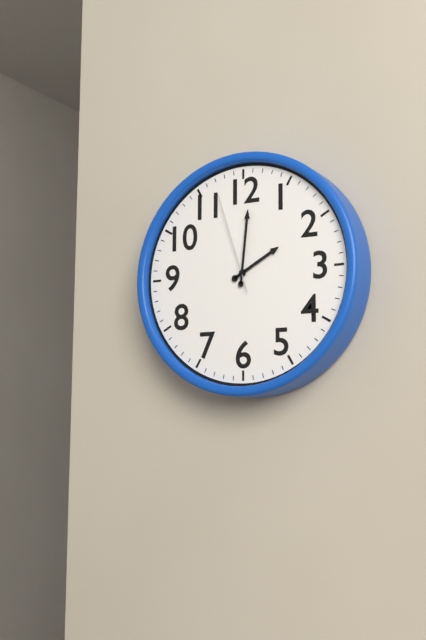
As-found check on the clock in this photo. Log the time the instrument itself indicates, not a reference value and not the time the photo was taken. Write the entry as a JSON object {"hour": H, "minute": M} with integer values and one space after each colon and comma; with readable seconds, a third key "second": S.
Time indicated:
{"hour": 2, "minute": 1, "second": 57}
